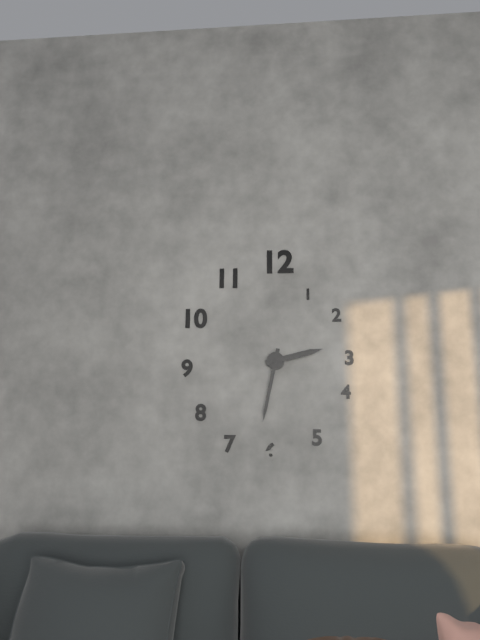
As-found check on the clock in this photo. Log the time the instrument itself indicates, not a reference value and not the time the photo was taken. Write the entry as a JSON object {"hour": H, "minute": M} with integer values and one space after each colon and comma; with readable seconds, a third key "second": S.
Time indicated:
{"hour": 2, "minute": 32}
